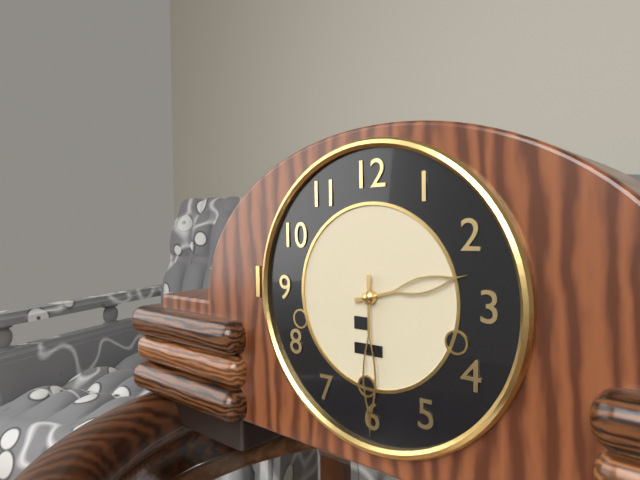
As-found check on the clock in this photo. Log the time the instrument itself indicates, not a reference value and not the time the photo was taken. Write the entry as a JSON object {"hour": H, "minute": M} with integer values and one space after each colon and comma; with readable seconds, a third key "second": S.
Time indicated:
{"hour": 2, "minute": 30}
